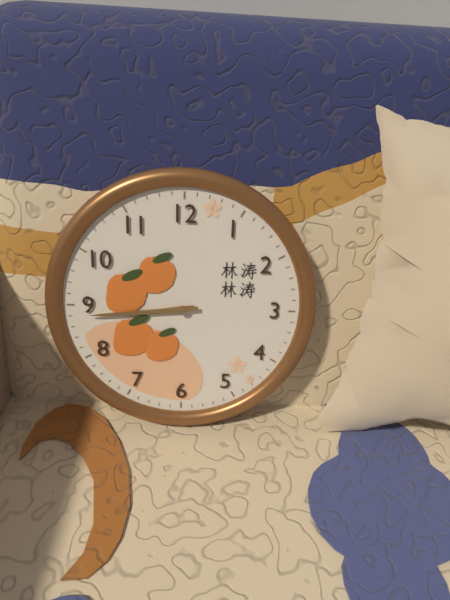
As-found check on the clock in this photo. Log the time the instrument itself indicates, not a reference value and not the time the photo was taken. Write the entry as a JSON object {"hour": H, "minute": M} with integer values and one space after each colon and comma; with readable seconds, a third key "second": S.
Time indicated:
{"hour": 8, "minute": 44}
